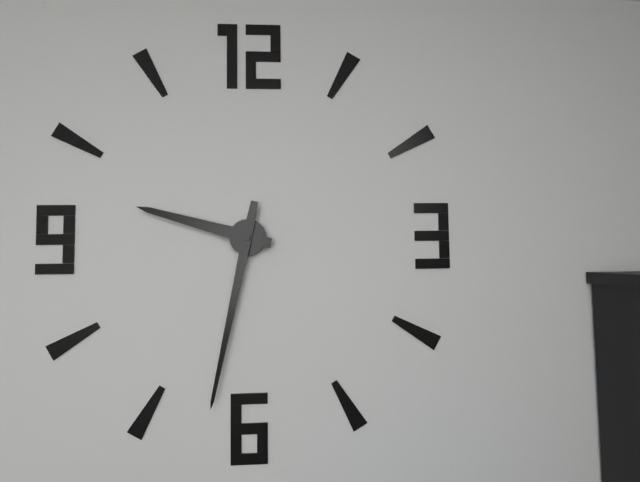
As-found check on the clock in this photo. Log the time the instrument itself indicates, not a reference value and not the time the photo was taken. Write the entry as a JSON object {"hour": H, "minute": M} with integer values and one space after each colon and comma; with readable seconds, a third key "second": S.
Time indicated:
{"hour": 9, "minute": 32}
